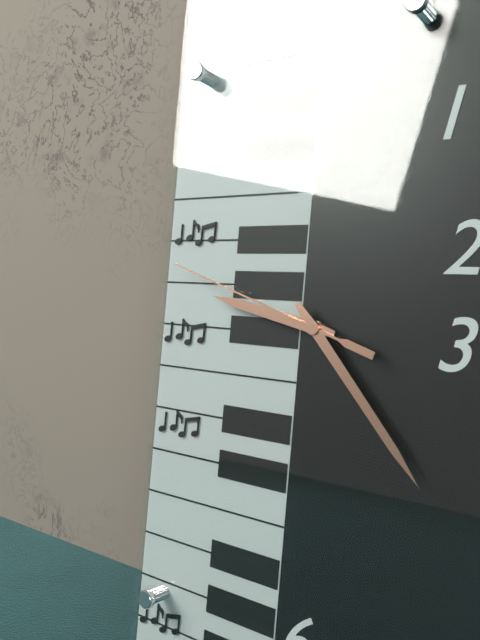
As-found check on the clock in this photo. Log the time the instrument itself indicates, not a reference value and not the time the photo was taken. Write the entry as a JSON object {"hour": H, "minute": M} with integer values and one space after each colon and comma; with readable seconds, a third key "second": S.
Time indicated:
{"hour": 9, "minute": 23, "second": 48}
